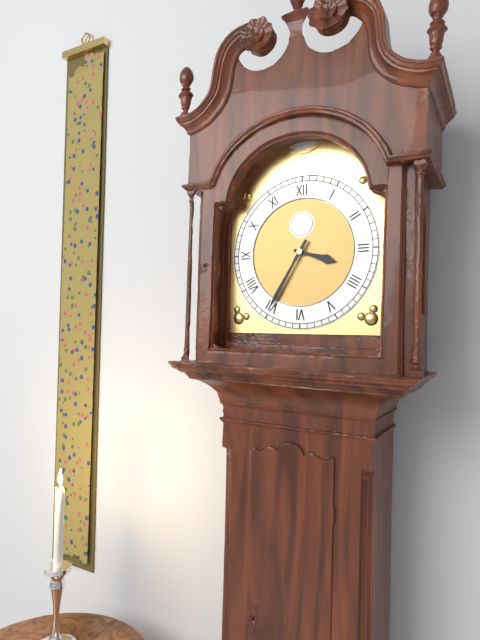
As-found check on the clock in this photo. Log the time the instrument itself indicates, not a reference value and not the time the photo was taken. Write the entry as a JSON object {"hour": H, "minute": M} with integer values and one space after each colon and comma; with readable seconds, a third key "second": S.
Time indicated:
{"hour": 3, "minute": 35}
